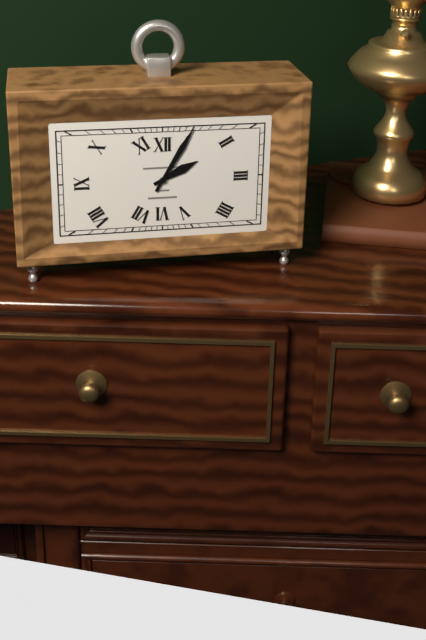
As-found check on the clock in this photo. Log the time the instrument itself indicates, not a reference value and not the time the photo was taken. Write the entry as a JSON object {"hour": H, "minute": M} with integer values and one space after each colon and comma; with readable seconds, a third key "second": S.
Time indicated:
{"hour": 2, "minute": 5}
